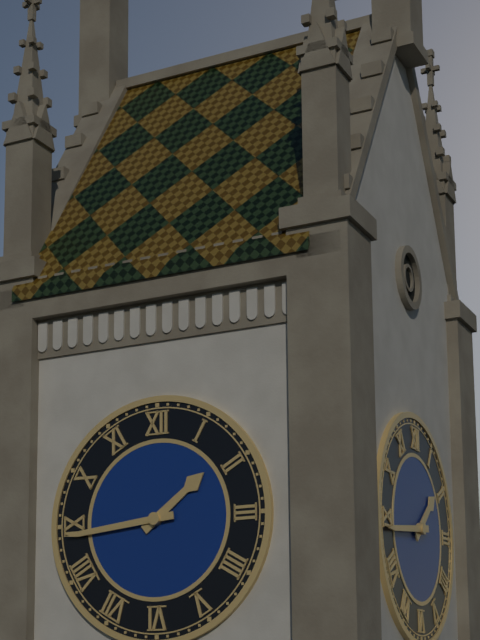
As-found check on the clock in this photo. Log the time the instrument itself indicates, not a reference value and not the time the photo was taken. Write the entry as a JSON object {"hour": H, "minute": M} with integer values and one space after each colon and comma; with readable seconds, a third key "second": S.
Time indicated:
{"hour": 1, "minute": 44}
